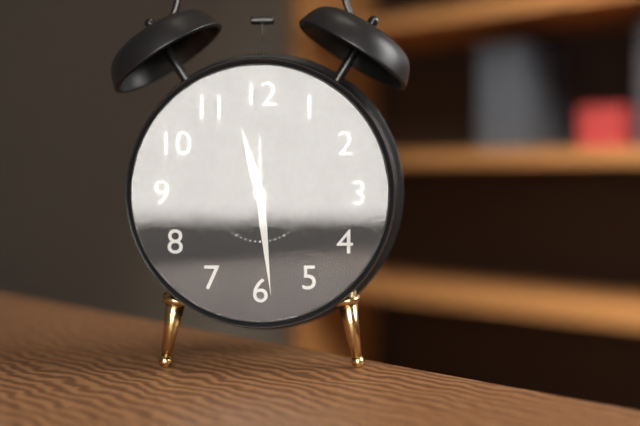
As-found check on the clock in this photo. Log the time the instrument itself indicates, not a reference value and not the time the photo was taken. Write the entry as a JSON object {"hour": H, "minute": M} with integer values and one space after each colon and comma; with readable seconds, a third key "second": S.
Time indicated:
{"hour": 11, "minute": 29}
